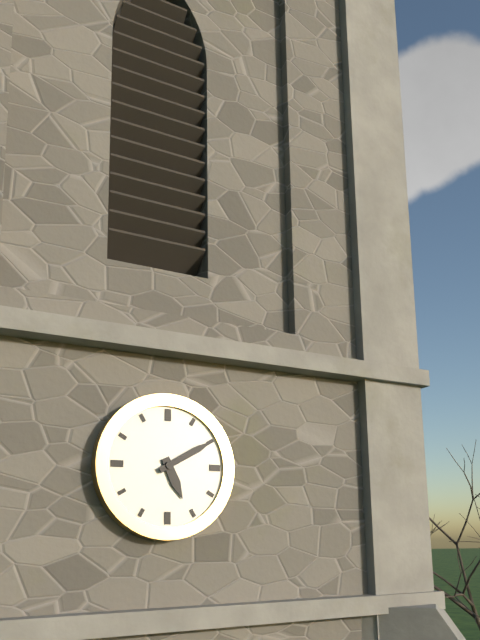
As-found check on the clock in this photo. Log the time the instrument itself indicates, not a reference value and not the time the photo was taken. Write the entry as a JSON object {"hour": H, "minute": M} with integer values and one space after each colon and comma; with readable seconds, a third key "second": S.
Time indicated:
{"hour": 5, "minute": 10}
